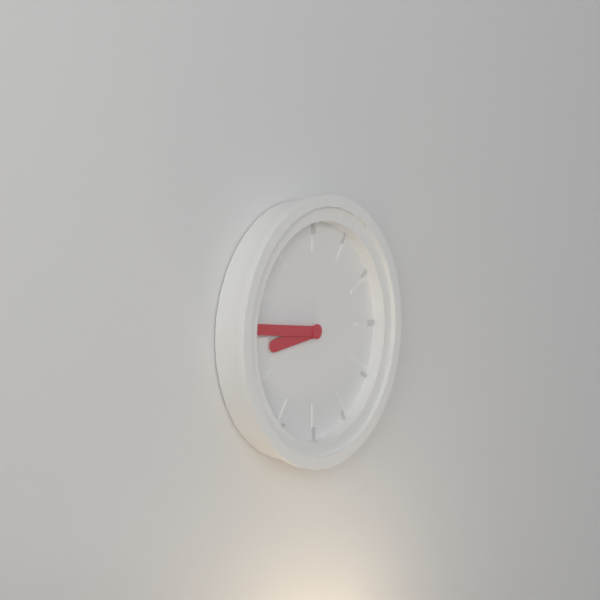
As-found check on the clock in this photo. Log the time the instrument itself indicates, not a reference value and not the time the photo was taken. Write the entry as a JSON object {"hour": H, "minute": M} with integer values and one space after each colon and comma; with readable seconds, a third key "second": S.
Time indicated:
{"hour": 8, "minute": 46}
